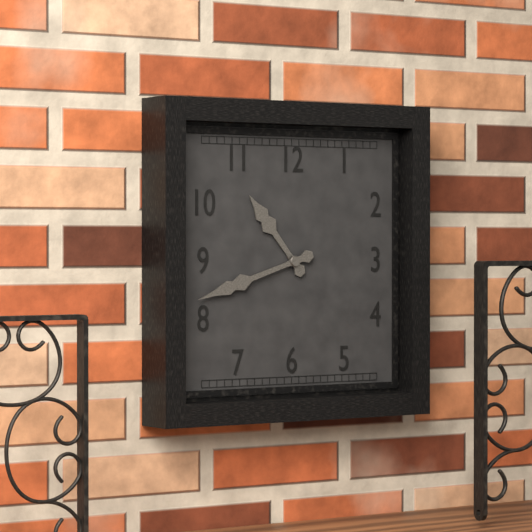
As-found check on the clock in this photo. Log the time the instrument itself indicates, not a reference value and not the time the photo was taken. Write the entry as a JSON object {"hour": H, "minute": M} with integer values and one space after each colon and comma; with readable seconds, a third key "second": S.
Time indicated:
{"hour": 10, "minute": 42}
